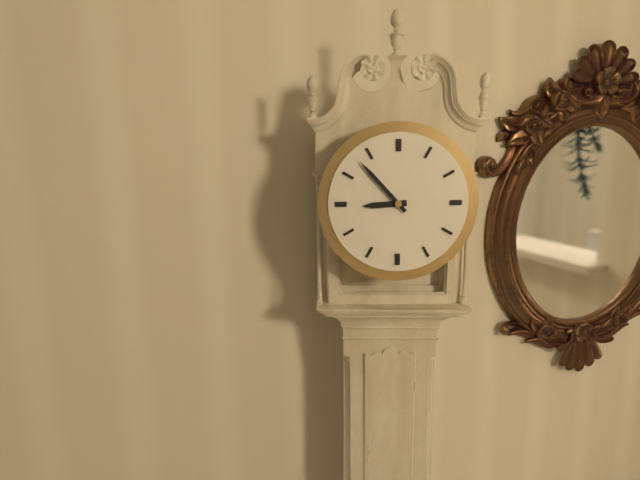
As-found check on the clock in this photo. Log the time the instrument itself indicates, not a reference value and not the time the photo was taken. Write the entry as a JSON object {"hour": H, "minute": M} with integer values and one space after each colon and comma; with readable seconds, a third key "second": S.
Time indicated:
{"hour": 8, "minute": 53}
